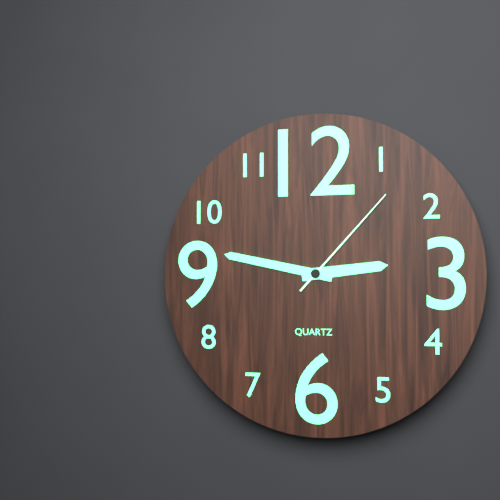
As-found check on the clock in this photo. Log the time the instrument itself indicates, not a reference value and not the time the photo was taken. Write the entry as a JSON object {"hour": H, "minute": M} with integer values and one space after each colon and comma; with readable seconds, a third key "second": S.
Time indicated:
{"hour": 2, "minute": 47, "second": 7}
